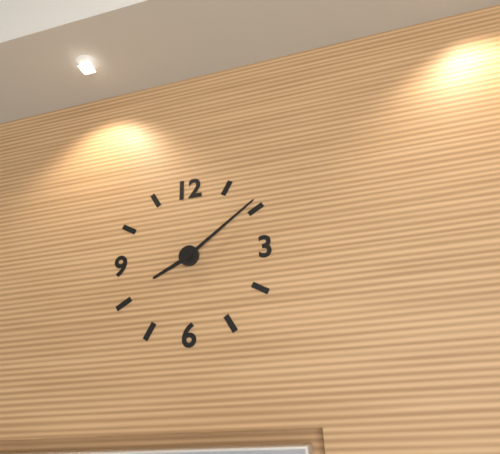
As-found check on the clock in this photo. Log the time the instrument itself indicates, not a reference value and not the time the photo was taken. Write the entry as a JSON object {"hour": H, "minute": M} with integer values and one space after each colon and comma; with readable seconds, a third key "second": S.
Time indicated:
{"hour": 8, "minute": 9}
